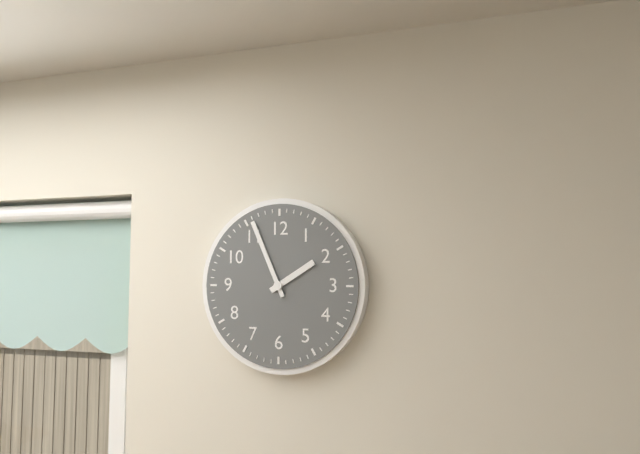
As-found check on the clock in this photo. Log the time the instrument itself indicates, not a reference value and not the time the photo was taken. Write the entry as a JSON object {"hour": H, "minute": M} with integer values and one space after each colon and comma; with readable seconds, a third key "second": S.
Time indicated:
{"hour": 1, "minute": 56}
